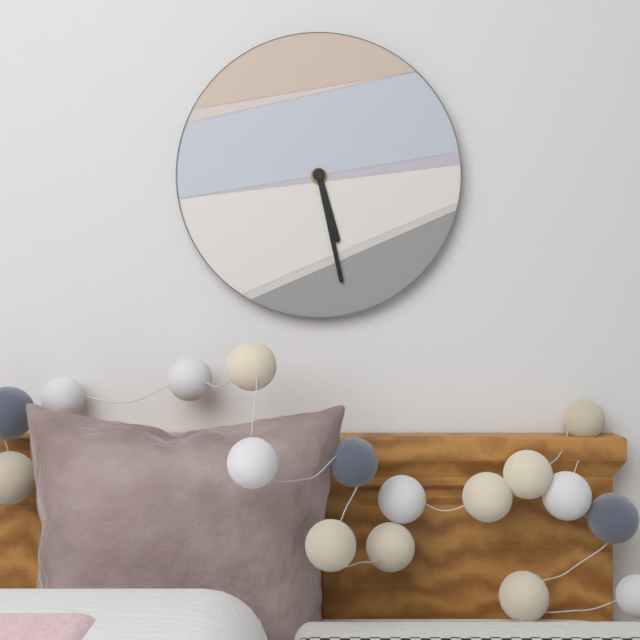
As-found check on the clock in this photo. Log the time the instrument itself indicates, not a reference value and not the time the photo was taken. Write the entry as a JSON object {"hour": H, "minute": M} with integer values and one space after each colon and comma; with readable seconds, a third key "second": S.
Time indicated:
{"hour": 5, "minute": 28}
